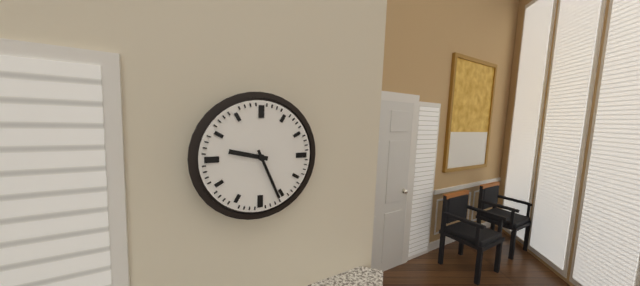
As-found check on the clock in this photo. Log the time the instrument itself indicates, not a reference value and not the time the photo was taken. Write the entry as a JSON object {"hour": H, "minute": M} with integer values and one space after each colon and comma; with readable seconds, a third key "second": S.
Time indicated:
{"hour": 9, "minute": 26}
